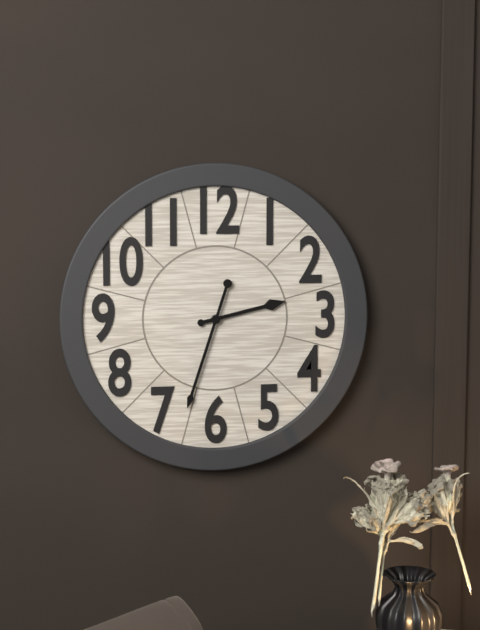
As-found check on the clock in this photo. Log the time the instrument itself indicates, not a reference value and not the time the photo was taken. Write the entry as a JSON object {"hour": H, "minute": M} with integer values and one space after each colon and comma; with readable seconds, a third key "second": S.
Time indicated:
{"hour": 2, "minute": 33}
